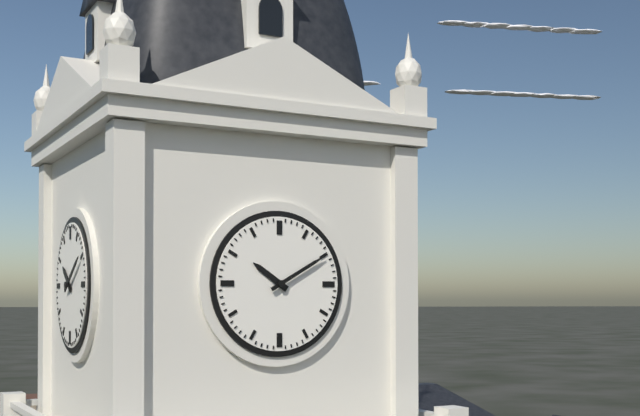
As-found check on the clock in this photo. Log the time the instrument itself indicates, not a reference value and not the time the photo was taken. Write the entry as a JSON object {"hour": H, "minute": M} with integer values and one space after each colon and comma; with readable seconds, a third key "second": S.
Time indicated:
{"hour": 10, "minute": 10}
